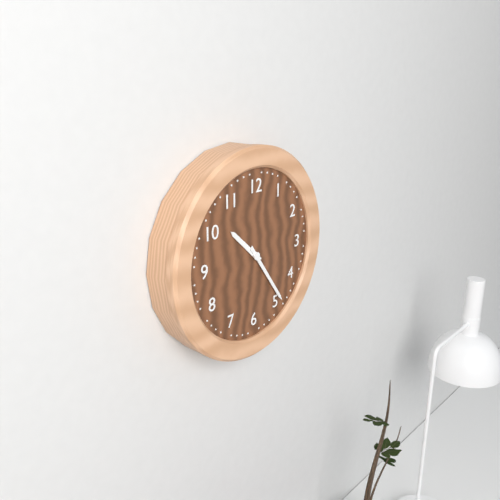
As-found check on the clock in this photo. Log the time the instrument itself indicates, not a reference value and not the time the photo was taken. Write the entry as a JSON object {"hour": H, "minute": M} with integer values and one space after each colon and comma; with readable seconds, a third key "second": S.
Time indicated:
{"hour": 10, "minute": 24}
